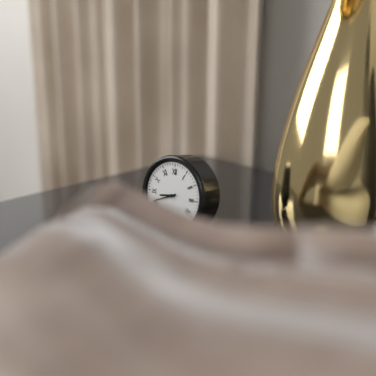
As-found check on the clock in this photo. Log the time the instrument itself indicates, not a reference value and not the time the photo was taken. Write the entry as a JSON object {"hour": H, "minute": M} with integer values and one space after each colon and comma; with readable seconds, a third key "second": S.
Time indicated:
{"hour": 8, "minute": 41}
